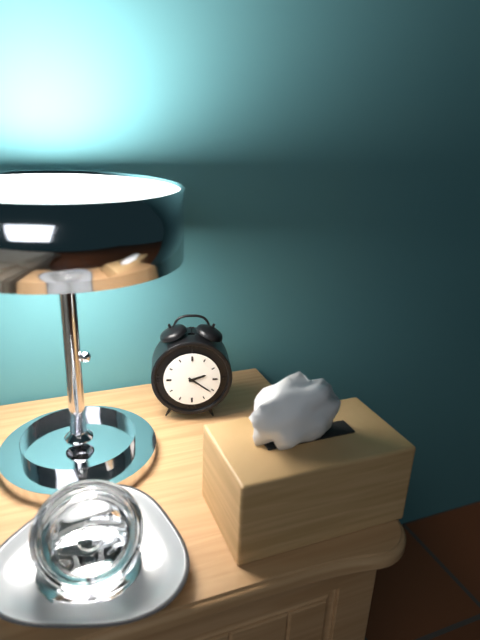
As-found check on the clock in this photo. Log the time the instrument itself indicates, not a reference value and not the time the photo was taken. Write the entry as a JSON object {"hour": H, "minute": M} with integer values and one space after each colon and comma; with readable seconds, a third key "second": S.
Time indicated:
{"hour": 2, "minute": 21}
